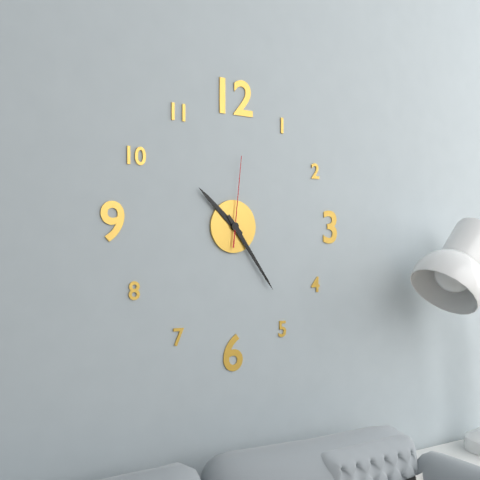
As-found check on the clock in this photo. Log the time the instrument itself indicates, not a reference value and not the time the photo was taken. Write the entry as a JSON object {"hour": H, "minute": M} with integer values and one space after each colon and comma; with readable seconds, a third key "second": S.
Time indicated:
{"hour": 10, "minute": 24, "second": 1}
